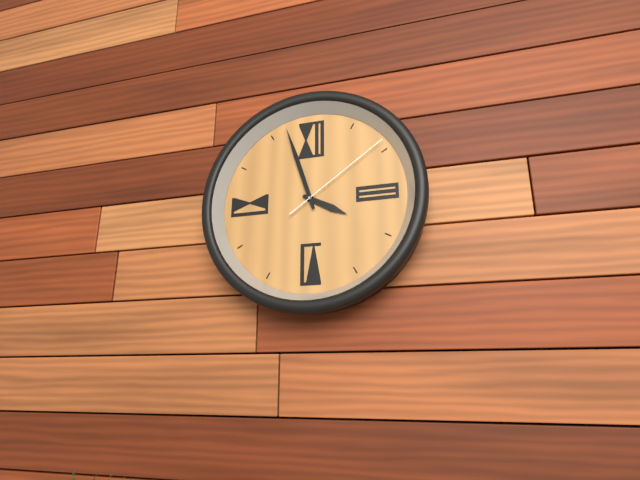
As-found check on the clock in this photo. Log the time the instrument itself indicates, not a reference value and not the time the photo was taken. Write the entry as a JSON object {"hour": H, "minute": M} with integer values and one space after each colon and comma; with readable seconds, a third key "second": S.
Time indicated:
{"hour": 3, "minute": 57, "second": 9}
